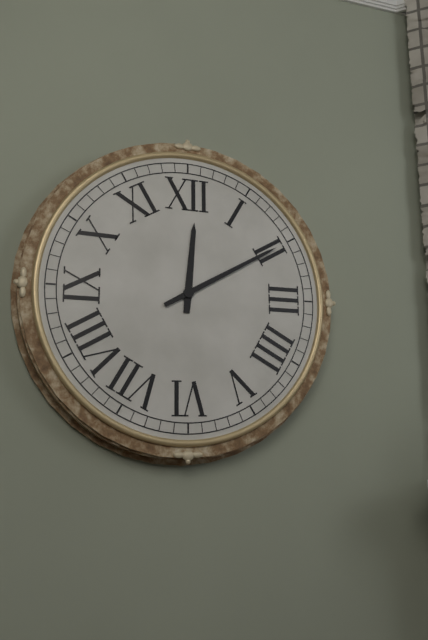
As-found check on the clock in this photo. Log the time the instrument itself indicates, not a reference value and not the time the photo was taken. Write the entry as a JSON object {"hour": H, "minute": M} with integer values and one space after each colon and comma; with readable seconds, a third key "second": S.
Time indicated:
{"hour": 12, "minute": 10}
